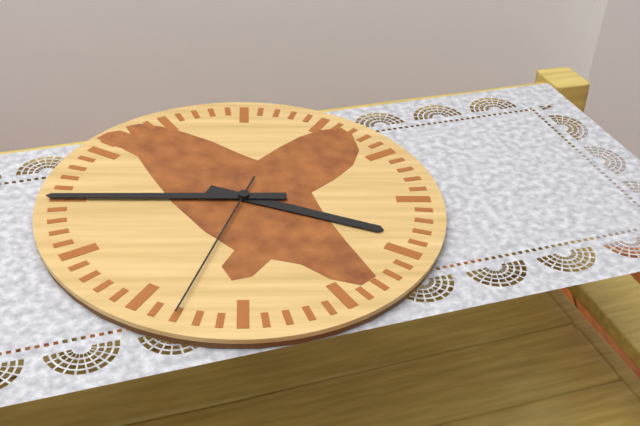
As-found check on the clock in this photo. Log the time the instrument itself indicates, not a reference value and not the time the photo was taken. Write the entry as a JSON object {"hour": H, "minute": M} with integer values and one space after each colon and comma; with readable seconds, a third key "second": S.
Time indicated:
{"hour": 3, "minute": 45, "second": 33}
